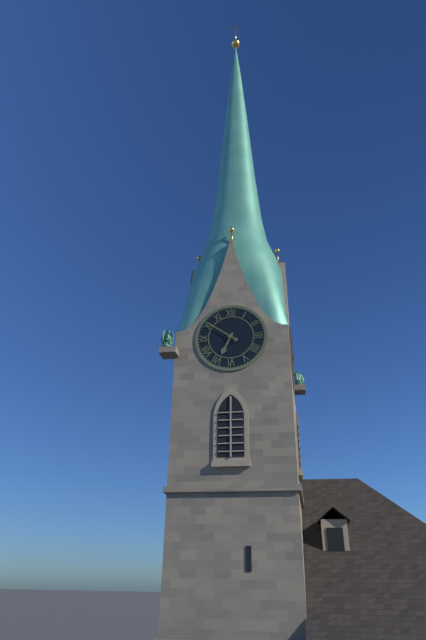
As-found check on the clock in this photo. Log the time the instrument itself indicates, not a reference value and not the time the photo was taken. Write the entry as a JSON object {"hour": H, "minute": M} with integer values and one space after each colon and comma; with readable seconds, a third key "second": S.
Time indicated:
{"hour": 6, "minute": 51}
